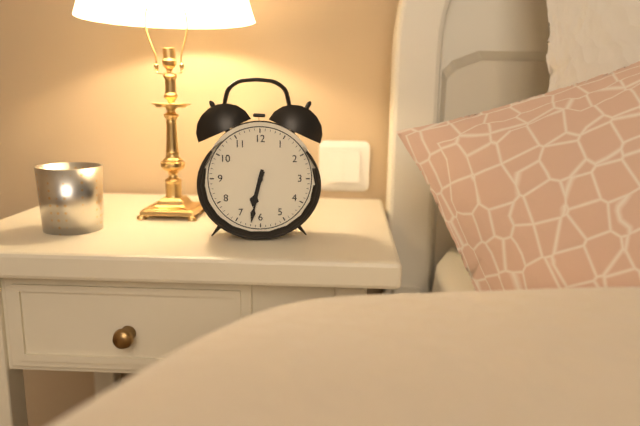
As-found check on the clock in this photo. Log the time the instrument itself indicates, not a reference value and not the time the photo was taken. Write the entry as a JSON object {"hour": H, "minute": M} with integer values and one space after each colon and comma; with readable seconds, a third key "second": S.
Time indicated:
{"hour": 6, "minute": 32}
